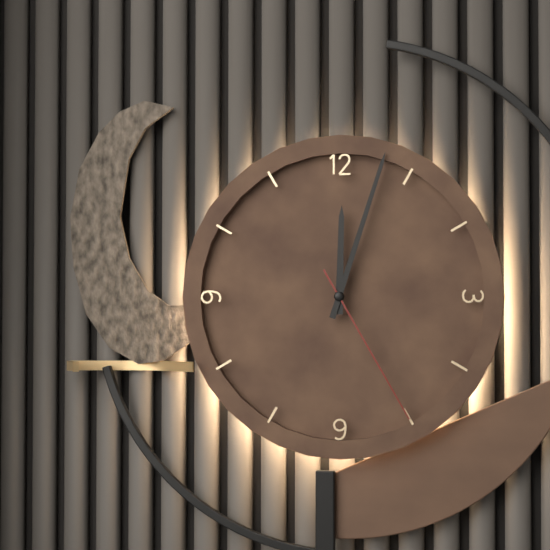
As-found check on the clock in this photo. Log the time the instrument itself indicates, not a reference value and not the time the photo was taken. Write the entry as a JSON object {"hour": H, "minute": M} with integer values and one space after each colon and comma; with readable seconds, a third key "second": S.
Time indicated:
{"hour": 12, "minute": 3, "second": 25}
